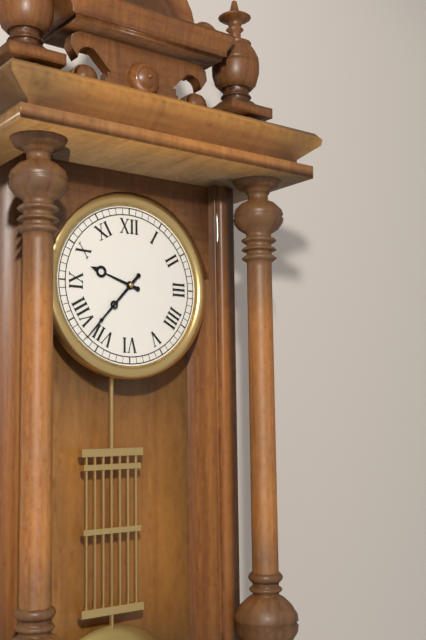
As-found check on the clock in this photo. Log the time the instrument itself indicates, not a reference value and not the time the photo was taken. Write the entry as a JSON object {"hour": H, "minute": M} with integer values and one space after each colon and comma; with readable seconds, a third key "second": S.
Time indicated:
{"hour": 9, "minute": 37}
